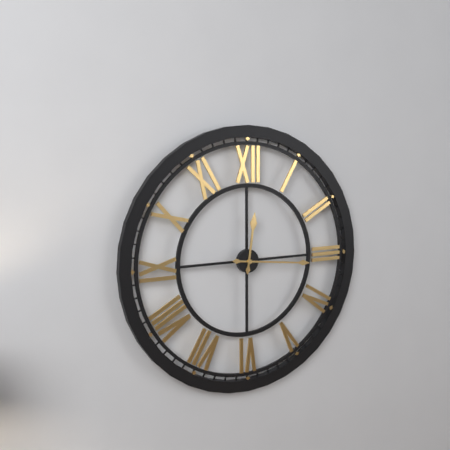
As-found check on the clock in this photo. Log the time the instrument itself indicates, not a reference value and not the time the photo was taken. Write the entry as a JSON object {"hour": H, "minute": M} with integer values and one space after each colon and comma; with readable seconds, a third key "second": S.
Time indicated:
{"hour": 12, "minute": 16}
